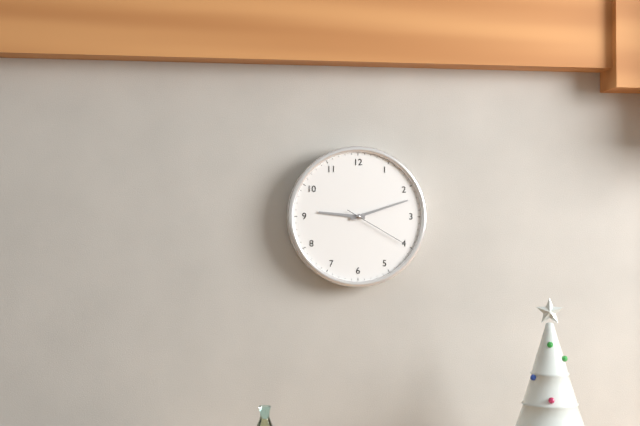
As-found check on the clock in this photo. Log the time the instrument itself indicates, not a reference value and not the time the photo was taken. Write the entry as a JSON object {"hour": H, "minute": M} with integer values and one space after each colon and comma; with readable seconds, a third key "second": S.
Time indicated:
{"hour": 9, "minute": 12, "second": 20}
